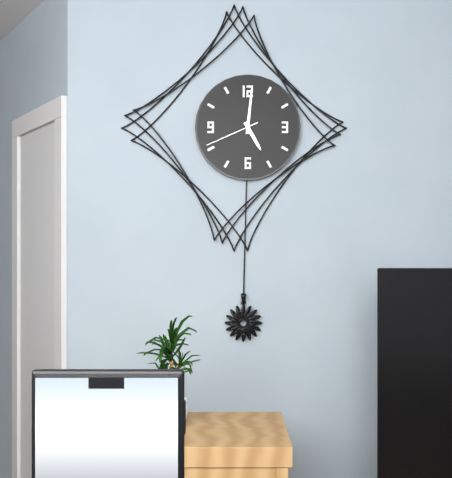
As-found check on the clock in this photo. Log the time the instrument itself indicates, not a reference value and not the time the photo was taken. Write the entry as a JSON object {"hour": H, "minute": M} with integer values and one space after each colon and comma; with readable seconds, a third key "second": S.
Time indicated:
{"hour": 5, "minute": 1, "second": 41}
